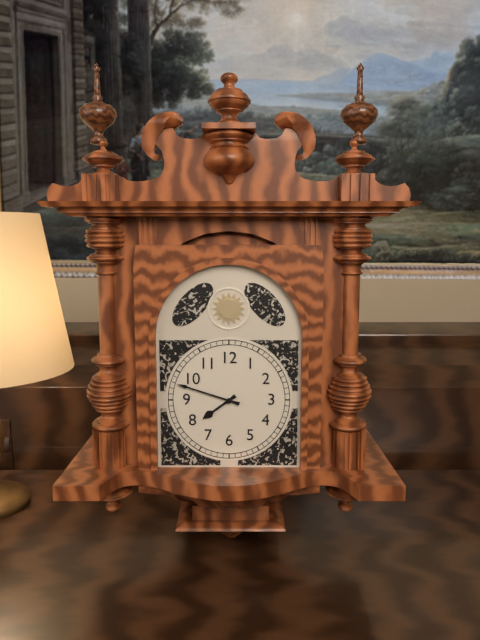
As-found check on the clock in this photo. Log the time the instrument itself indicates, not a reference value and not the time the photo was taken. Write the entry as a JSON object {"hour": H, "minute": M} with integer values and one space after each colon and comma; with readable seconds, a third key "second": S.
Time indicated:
{"hour": 7, "minute": 48}
